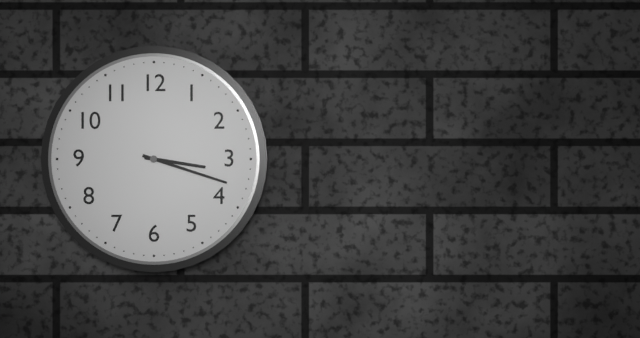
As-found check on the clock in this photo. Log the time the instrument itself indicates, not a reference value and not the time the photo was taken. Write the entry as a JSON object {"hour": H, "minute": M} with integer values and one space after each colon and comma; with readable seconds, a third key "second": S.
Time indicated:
{"hour": 3, "minute": 18}
